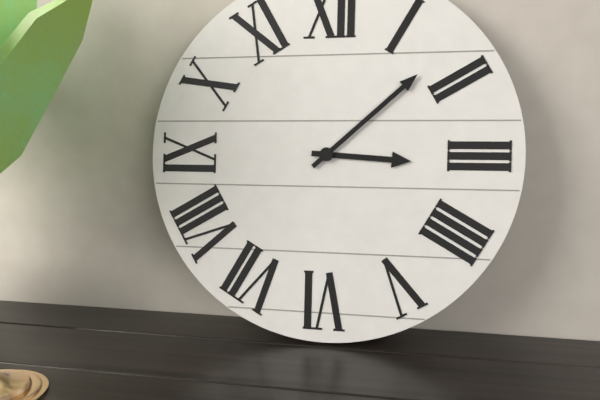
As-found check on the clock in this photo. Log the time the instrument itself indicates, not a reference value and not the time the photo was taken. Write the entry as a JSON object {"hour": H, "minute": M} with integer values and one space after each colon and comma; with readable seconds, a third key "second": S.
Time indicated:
{"hour": 3, "minute": 8}
